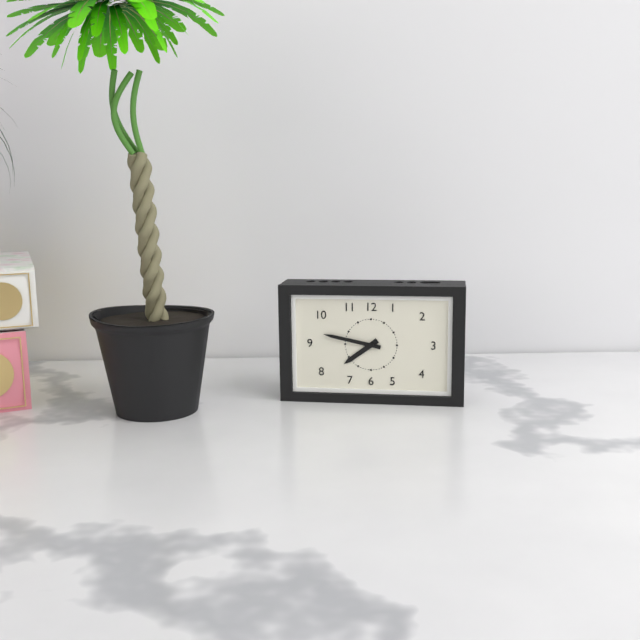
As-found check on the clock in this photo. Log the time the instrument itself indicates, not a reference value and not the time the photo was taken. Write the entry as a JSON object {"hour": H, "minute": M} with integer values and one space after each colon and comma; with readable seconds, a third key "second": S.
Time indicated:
{"hour": 7, "minute": 47}
